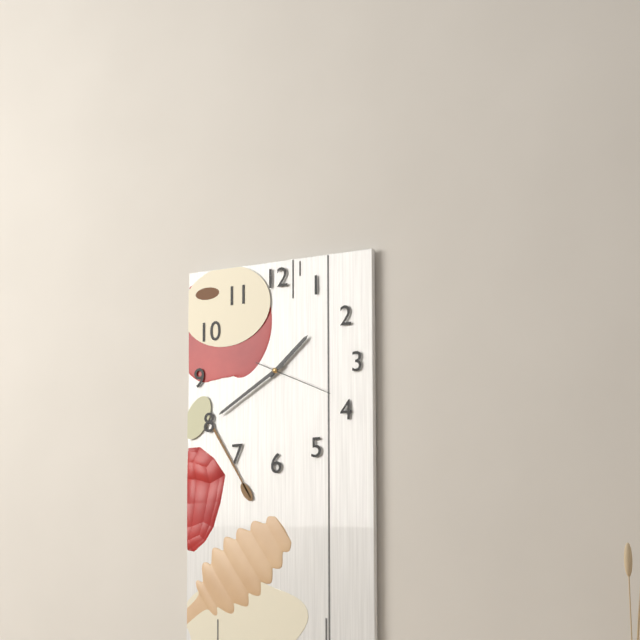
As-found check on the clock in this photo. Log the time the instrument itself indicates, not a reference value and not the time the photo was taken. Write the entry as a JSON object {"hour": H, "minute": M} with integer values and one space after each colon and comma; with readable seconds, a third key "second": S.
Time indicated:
{"hour": 1, "minute": 40, "second": 19}
